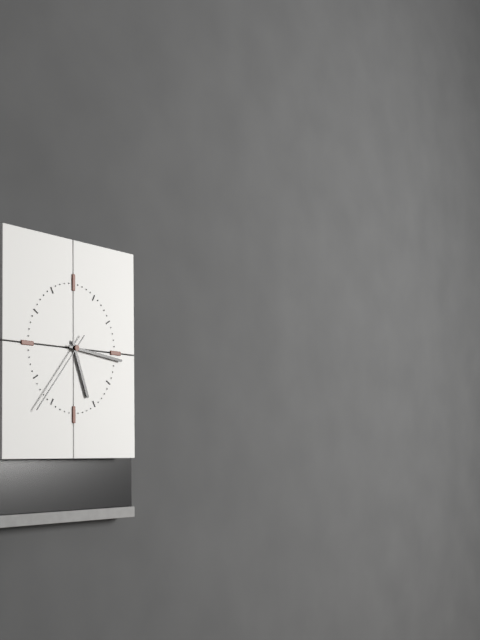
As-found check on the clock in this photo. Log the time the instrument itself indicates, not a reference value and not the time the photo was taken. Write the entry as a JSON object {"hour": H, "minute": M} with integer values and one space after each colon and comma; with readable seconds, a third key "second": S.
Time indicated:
{"hour": 5, "minute": 16, "second": 37}
